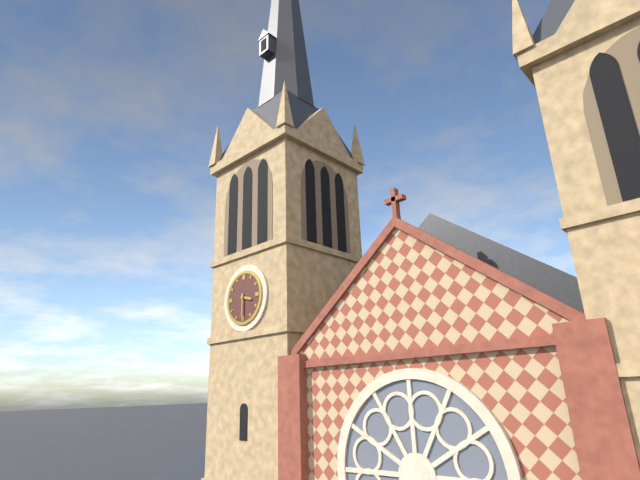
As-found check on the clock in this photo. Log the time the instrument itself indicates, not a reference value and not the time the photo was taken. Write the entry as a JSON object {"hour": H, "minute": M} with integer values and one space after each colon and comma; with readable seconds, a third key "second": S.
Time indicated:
{"hour": 3, "minute": 30}
